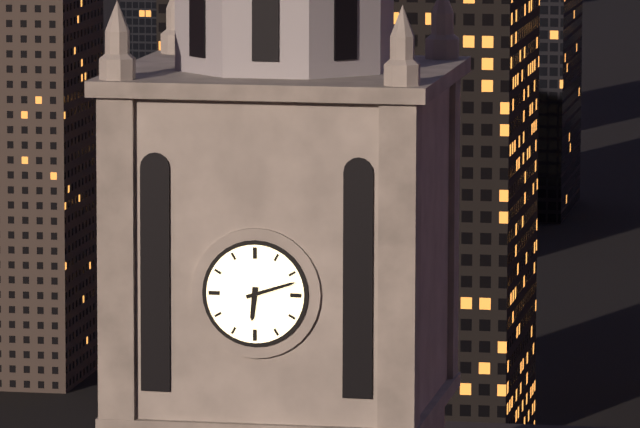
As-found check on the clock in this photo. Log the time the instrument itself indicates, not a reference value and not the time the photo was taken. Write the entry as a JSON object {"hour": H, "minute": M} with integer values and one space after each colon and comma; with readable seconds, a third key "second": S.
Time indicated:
{"hour": 6, "minute": 12}
